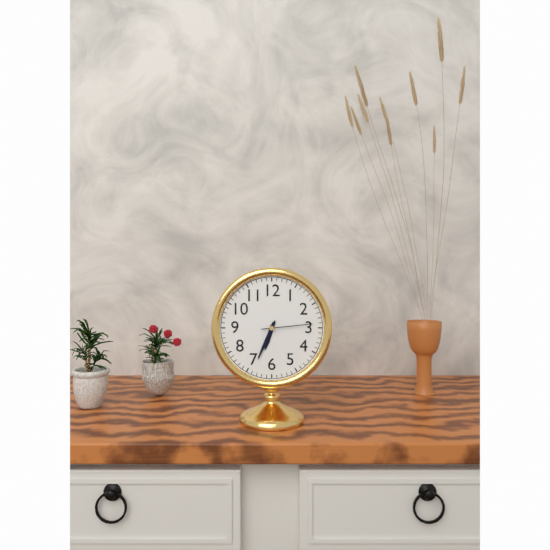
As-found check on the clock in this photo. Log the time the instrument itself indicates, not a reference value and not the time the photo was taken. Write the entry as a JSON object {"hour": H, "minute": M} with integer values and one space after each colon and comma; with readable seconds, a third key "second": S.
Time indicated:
{"hour": 6, "minute": 34, "second": 14}
